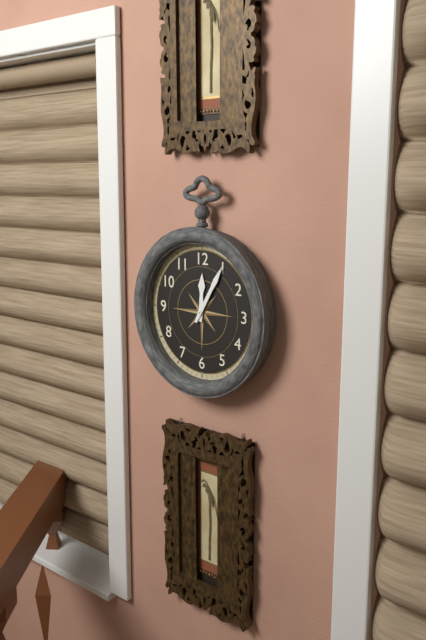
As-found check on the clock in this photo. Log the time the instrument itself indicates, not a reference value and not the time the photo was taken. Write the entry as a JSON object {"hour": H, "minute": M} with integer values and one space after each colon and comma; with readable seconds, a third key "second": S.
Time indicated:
{"hour": 12, "minute": 5}
